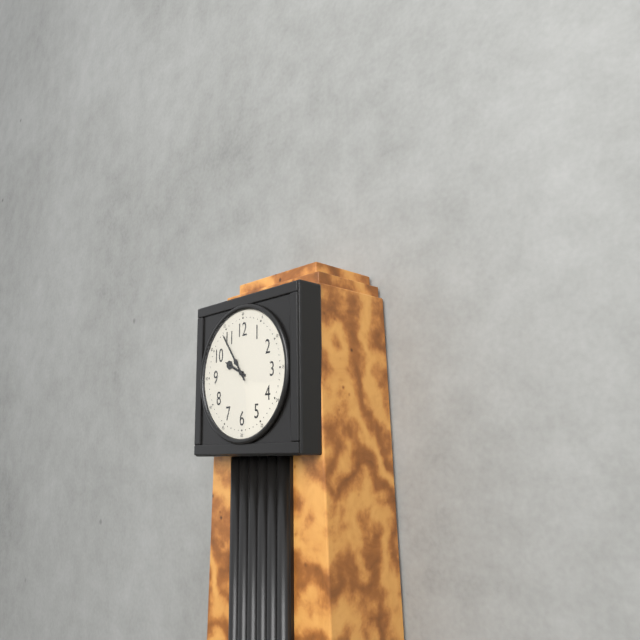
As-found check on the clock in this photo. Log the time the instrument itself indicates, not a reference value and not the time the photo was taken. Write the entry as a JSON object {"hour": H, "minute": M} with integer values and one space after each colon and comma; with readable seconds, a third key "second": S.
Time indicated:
{"hour": 9, "minute": 54}
